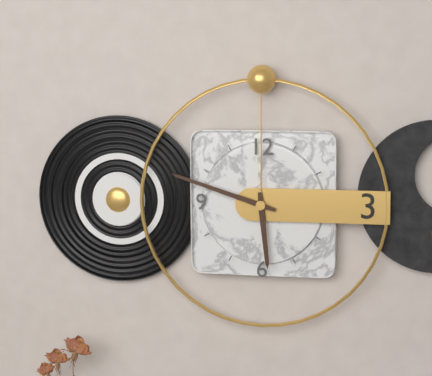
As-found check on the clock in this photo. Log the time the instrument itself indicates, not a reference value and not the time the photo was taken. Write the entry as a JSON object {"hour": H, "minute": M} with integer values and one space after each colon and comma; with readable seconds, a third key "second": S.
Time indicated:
{"hour": 5, "minute": 48}
